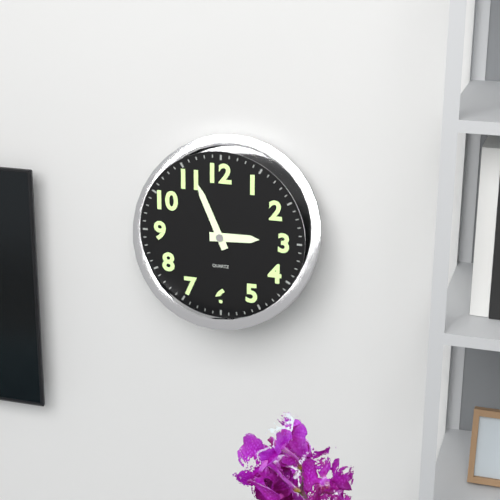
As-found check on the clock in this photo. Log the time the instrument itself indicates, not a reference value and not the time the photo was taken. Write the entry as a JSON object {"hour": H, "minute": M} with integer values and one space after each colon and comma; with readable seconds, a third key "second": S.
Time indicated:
{"hour": 2, "minute": 56}
